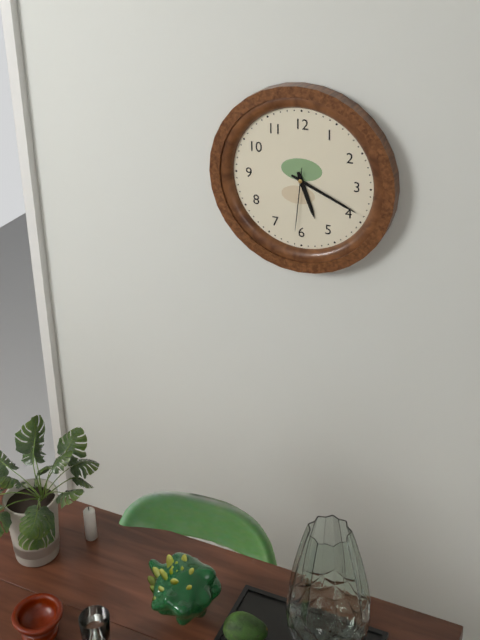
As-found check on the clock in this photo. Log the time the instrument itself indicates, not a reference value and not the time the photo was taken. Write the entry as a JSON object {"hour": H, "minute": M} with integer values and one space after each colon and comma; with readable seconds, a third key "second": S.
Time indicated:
{"hour": 5, "minute": 19, "second": 31}
